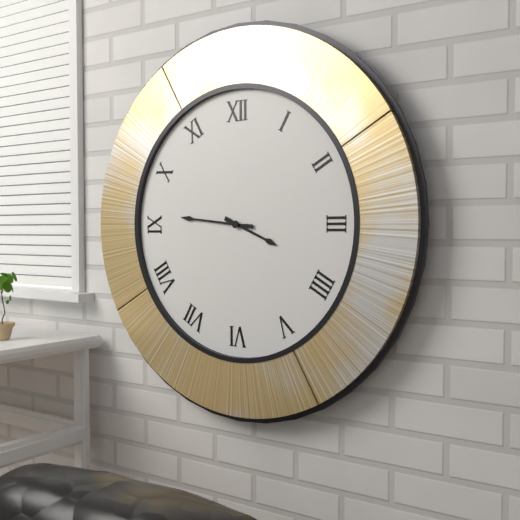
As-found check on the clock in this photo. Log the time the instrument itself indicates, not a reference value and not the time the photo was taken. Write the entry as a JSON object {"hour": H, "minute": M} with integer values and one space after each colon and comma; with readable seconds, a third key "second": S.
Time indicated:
{"hour": 3, "minute": 46}
